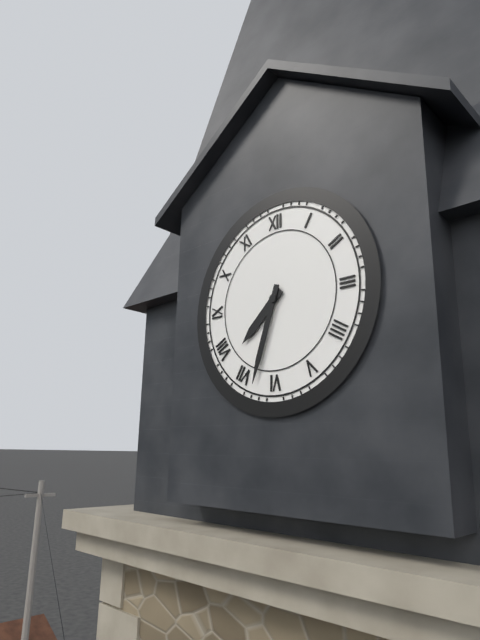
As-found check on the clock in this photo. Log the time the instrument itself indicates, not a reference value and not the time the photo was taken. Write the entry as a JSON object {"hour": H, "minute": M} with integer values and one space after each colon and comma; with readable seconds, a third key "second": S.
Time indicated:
{"hour": 7, "minute": 33}
